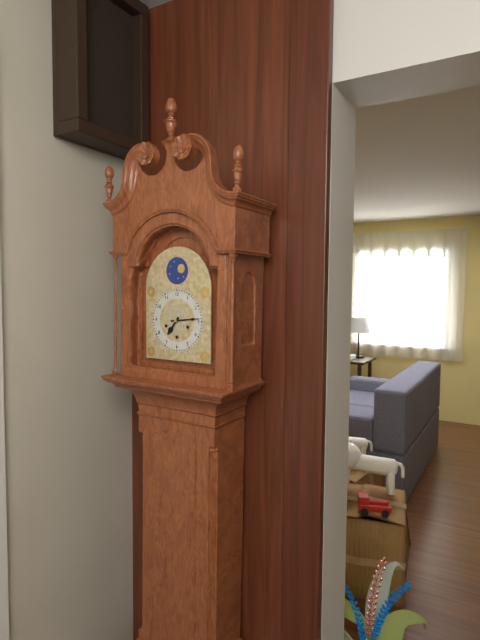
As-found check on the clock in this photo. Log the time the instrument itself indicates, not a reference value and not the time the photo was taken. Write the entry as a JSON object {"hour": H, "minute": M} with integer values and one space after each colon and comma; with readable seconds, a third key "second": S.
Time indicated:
{"hour": 7, "minute": 14}
